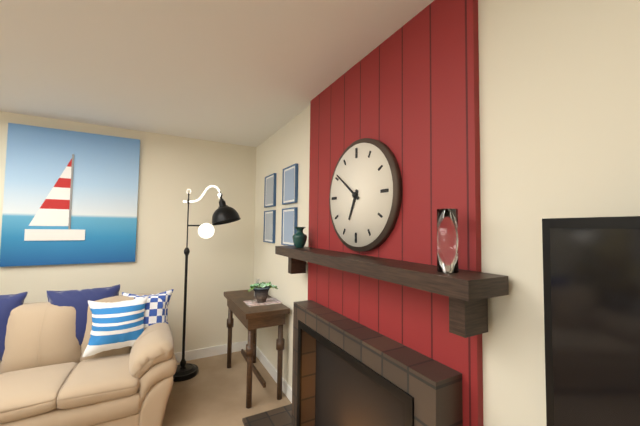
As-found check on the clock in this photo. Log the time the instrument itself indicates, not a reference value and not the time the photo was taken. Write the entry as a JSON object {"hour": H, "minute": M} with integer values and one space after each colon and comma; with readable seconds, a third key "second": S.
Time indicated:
{"hour": 6, "minute": 51}
